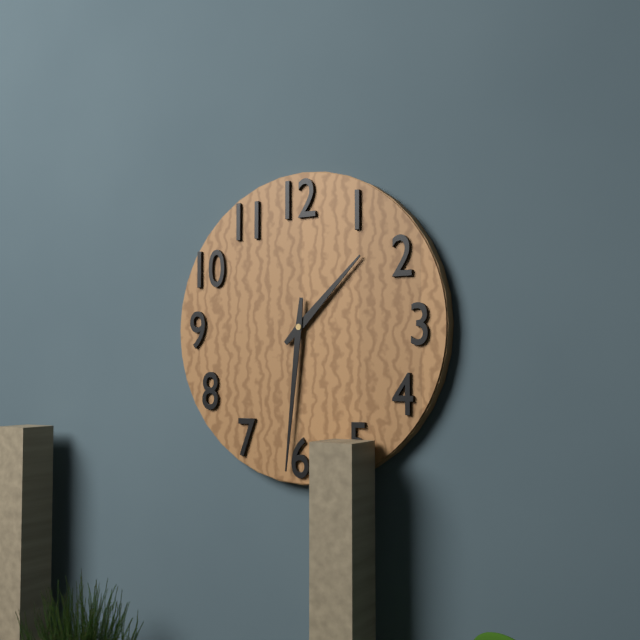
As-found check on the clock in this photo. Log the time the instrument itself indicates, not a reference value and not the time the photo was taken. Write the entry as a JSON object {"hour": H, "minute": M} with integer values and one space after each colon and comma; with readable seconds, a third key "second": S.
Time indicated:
{"hour": 1, "minute": 31}
